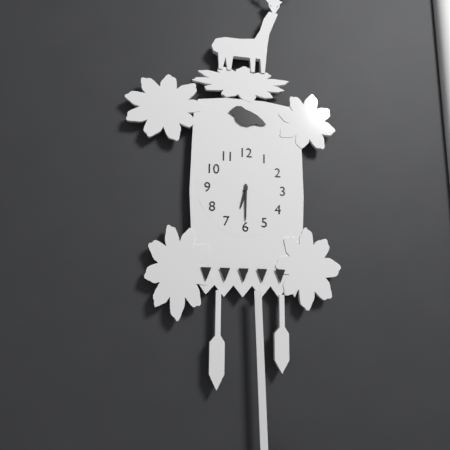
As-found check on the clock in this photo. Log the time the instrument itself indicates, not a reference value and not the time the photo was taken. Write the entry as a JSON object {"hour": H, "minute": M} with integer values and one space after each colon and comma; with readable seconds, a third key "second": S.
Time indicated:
{"hour": 6, "minute": 30}
